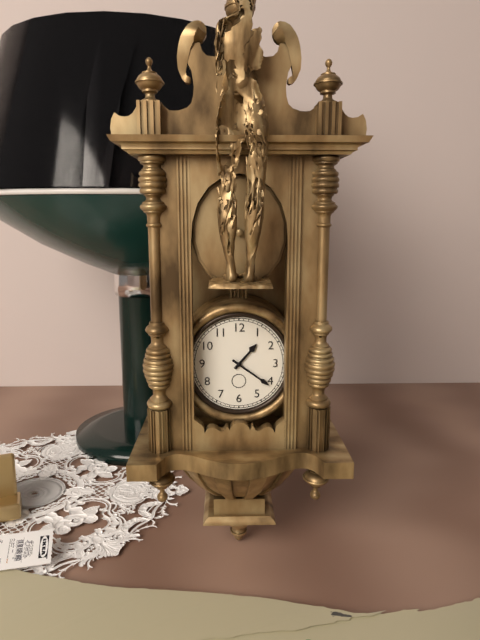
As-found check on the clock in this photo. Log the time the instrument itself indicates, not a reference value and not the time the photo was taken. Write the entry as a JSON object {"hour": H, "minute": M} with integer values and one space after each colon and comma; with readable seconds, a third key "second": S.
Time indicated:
{"hour": 1, "minute": 21}
